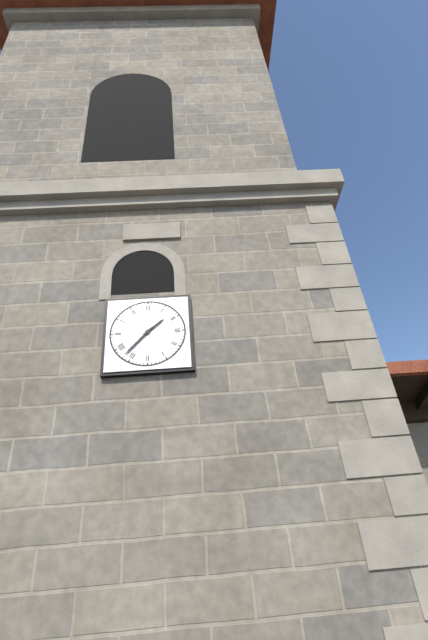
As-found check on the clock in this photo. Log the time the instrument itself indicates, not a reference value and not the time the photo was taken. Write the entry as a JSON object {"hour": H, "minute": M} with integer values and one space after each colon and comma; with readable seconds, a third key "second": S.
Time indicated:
{"hour": 1, "minute": 37}
